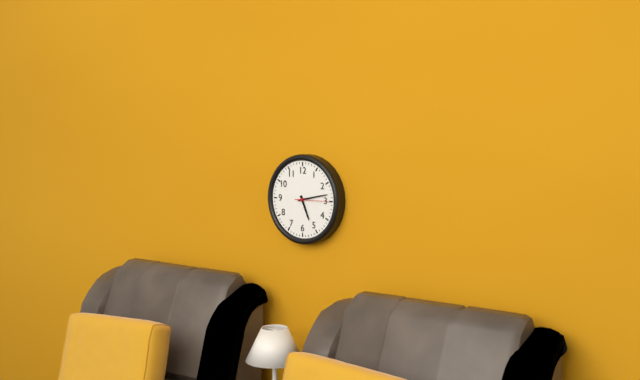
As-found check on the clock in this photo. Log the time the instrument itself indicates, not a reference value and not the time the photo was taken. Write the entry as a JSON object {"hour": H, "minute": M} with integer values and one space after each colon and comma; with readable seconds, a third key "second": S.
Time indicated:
{"hour": 5, "minute": 13}
